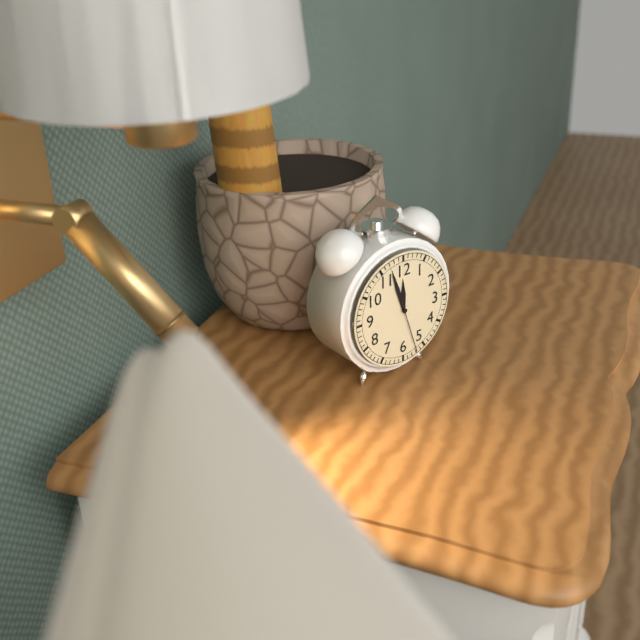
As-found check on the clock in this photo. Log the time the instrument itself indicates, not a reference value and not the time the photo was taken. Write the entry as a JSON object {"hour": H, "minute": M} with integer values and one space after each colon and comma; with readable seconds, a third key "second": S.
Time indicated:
{"hour": 11, "minute": 57, "second": 27}
